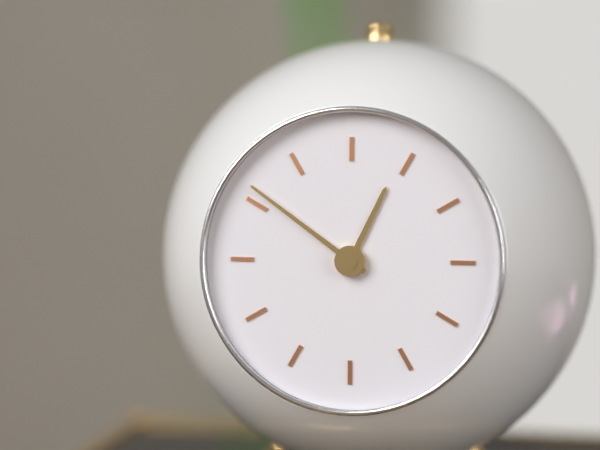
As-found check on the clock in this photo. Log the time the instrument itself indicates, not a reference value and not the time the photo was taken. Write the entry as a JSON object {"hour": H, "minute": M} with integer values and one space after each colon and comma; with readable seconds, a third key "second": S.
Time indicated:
{"hour": 12, "minute": 51}
